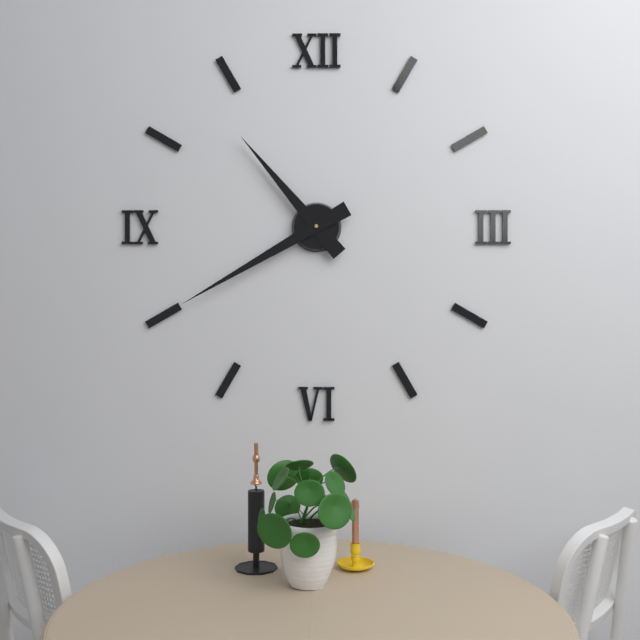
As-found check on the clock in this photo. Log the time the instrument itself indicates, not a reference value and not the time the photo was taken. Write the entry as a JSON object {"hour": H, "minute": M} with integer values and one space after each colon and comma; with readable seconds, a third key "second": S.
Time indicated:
{"hour": 10, "minute": 40}
